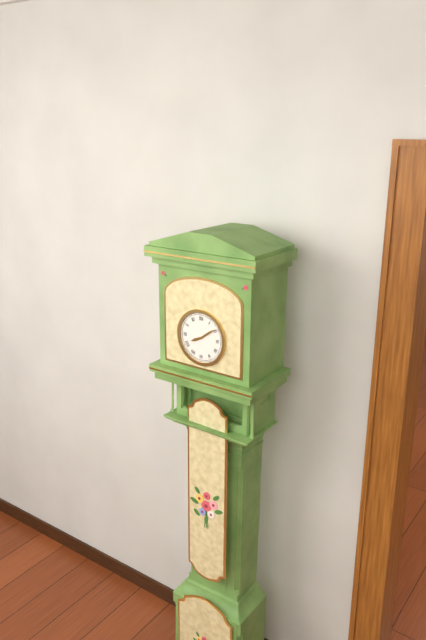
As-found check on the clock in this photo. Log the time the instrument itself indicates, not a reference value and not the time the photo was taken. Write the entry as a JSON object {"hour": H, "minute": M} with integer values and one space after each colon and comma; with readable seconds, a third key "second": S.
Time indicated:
{"hour": 8, "minute": 9}
